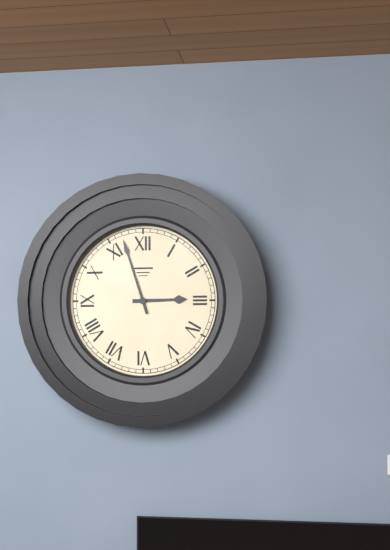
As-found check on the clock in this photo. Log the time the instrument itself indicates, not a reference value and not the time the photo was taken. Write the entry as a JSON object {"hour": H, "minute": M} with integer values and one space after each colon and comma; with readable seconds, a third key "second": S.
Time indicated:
{"hour": 2, "minute": 57}
